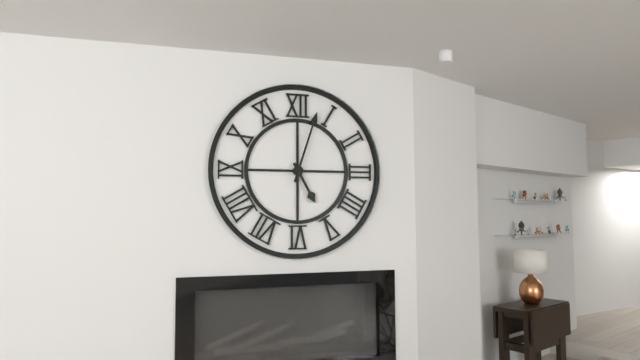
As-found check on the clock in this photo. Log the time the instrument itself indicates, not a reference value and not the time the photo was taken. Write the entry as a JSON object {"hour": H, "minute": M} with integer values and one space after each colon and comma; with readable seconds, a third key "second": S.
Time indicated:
{"hour": 5, "minute": 3}
